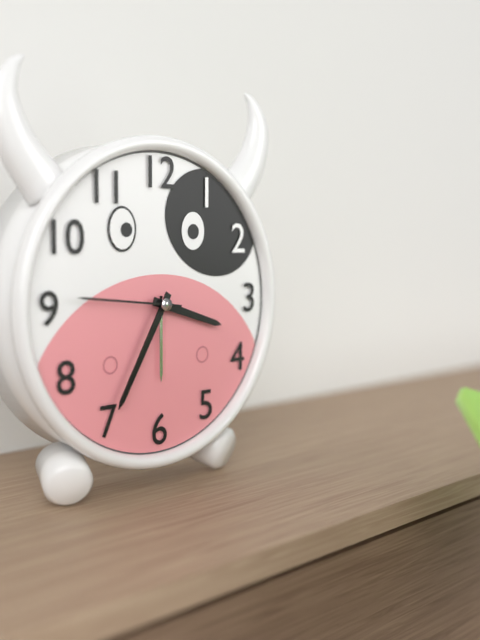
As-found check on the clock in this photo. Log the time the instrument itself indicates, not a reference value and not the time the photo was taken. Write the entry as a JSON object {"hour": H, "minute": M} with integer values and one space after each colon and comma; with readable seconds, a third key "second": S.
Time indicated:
{"hour": 3, "minute": 35, "second": 46}
